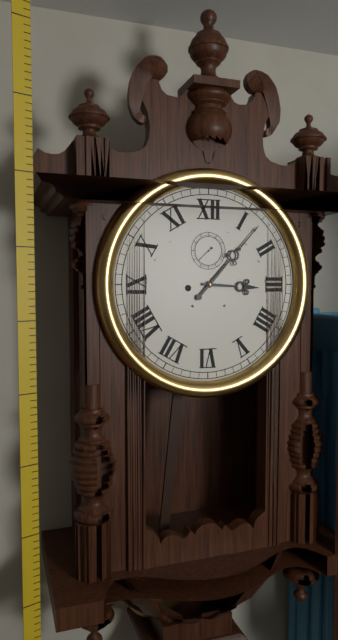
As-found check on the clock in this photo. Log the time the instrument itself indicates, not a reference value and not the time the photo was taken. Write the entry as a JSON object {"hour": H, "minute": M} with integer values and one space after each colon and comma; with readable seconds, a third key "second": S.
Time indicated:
{"hour": 3, "minute": 7}
